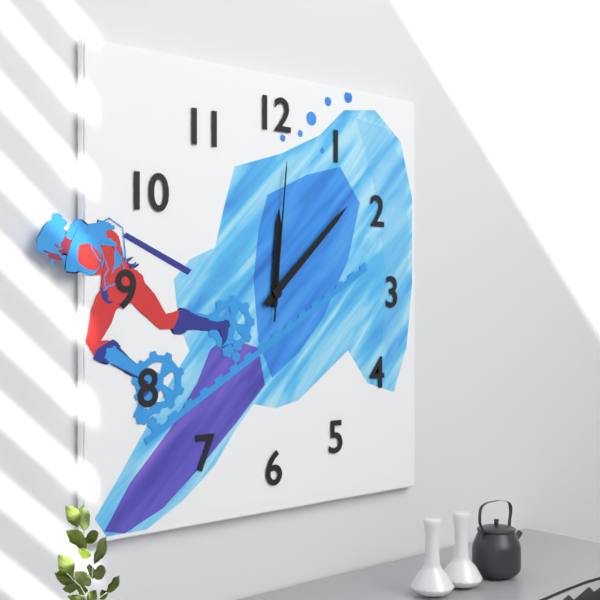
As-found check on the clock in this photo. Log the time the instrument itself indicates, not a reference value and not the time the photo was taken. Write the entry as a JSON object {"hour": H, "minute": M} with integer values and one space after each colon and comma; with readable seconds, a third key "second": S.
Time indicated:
{"hour": 12, "minute": 8, "second": 1}
